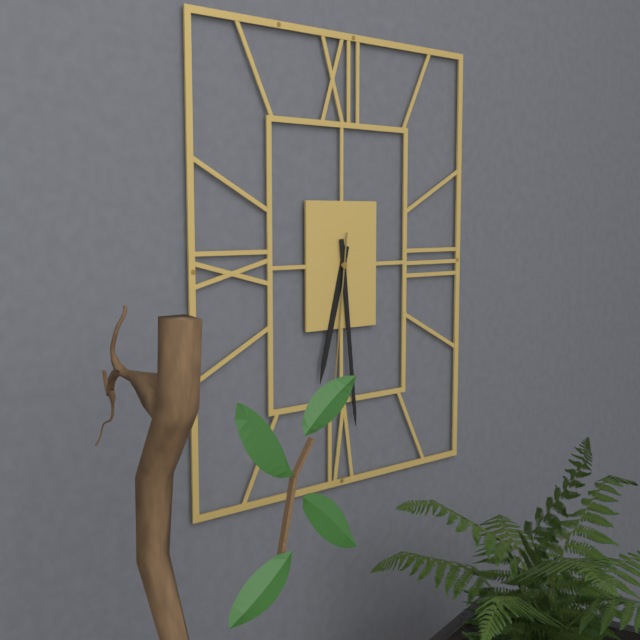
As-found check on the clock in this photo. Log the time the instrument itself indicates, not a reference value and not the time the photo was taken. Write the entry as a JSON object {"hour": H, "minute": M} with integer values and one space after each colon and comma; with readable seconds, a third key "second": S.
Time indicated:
{"hour": 6, "minute": 29, "second": 31}
